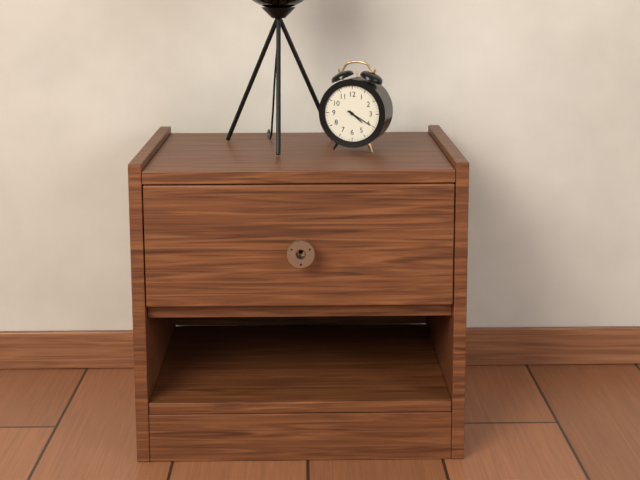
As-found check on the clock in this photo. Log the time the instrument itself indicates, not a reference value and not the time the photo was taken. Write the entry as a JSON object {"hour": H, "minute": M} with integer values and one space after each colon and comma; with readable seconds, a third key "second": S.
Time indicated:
{"hour": 4, "minute": 20}
